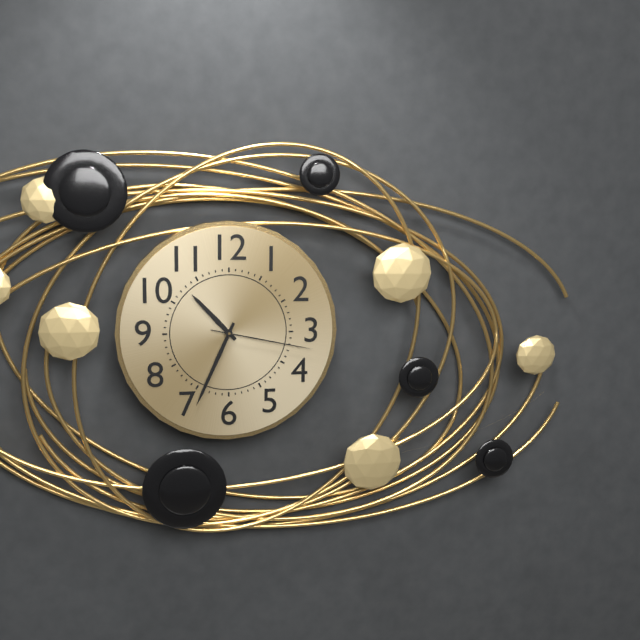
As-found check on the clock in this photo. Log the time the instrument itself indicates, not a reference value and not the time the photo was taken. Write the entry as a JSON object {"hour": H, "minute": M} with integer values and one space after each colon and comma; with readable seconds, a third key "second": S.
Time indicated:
{"hour": 10, "minute": 34, "second": 17}
